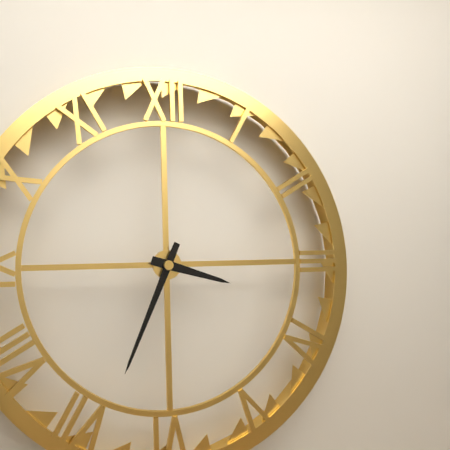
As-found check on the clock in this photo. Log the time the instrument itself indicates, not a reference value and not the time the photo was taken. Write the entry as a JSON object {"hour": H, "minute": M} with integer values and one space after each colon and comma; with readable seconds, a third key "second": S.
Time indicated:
{"hour": 3, "minute": 34}
